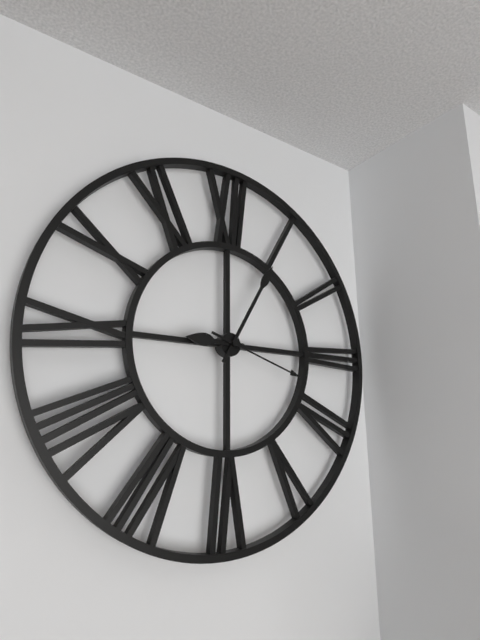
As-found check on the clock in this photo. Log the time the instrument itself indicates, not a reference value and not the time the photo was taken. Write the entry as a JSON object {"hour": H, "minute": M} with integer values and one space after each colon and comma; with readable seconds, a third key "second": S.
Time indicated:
{"hour": 9, "minute": 5, "second": 18}
